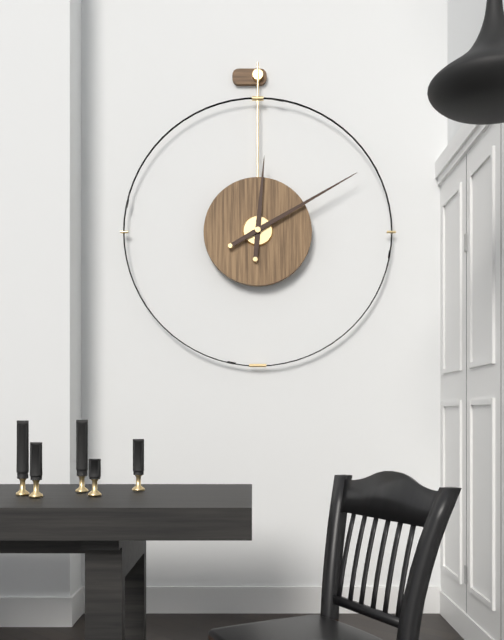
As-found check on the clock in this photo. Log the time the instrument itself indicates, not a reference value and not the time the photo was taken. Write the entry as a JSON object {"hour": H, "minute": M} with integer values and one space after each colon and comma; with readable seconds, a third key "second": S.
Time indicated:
{"hour": 12, "minute": 10}
